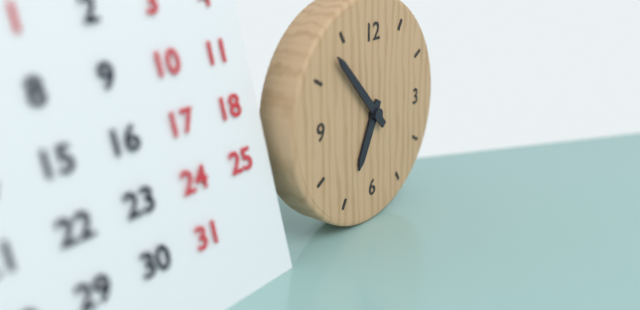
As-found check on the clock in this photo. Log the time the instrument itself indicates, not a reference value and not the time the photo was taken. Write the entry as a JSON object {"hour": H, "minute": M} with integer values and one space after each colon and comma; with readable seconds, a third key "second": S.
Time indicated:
{"hour": 6, "minute": 53}
